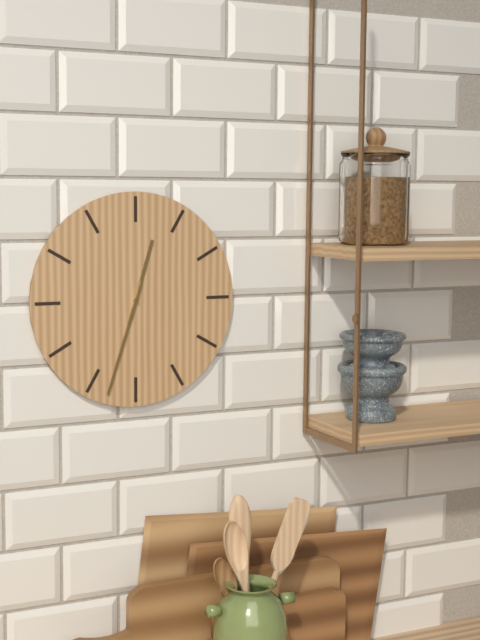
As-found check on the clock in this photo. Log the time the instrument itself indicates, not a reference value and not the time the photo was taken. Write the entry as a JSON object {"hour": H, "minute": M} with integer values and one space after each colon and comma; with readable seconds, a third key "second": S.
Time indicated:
{"hour": 12, "minute": 33}
